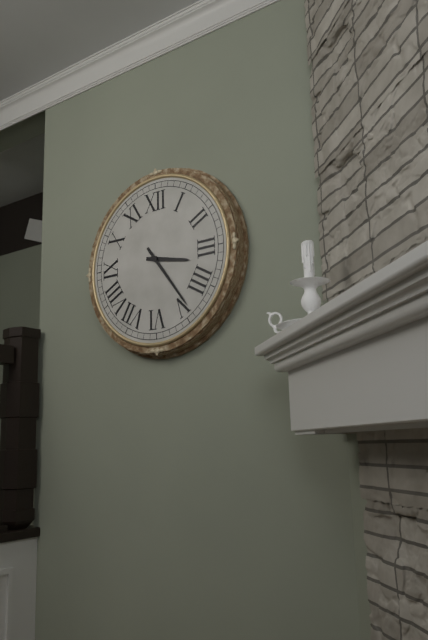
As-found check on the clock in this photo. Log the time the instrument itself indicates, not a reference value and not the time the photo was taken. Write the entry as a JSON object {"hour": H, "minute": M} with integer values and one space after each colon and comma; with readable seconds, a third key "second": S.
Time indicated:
{"hour": 3, "minute": 24}
